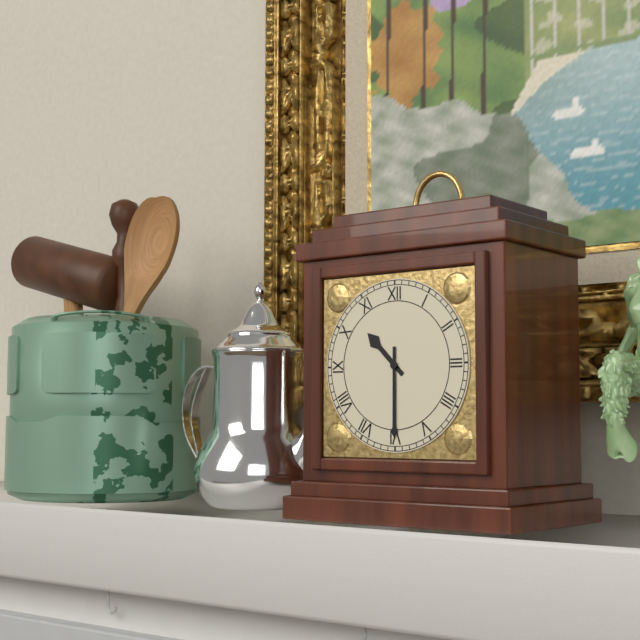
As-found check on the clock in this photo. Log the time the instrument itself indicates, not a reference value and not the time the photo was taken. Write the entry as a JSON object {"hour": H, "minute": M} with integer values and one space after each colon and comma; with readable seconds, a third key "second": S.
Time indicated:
{"hour": 10, "minute": 30}
